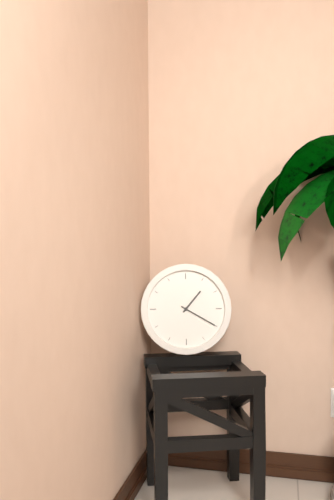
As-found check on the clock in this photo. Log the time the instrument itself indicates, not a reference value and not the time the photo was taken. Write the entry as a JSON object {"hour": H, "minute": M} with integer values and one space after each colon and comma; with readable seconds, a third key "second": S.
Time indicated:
{"hour": 1, "minute": 20}
